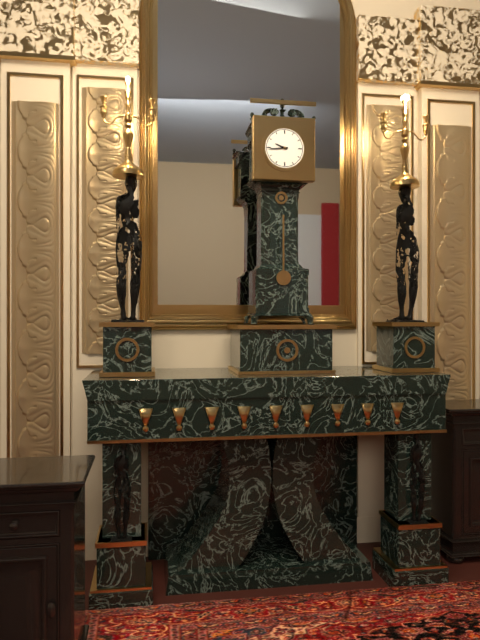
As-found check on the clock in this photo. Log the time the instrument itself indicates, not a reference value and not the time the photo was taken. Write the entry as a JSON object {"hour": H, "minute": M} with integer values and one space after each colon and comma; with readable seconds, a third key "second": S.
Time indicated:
{"hour": 9, "minute": 44}
